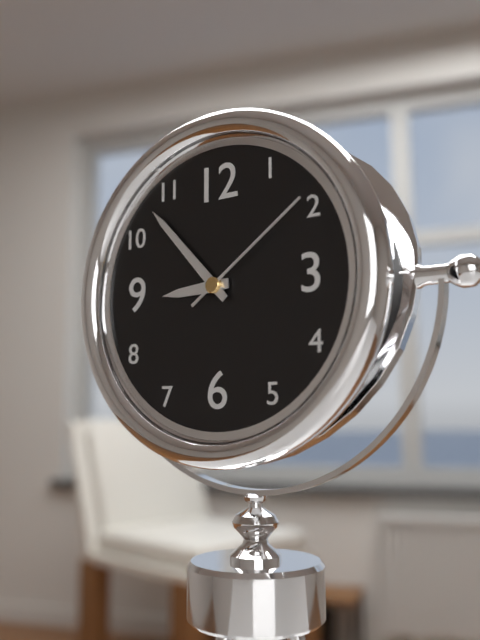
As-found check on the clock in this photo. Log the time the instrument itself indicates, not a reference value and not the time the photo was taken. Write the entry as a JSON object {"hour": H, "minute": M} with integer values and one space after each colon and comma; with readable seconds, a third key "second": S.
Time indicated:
{"hour": 8, "minute": 53, "second": 9}
